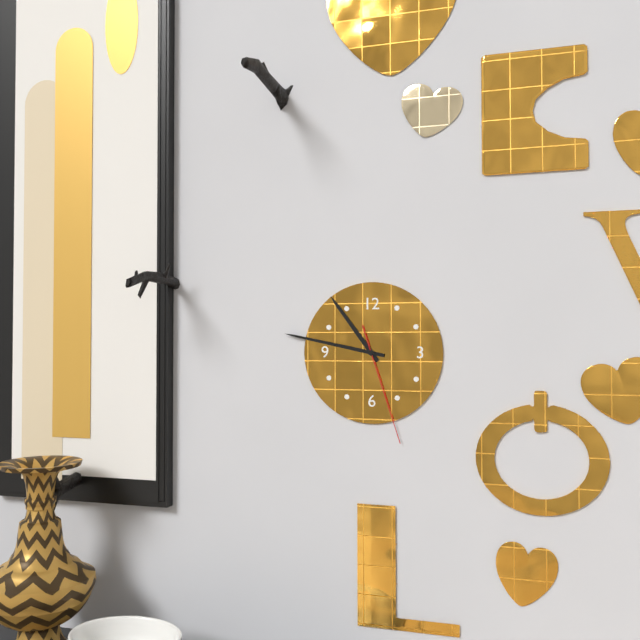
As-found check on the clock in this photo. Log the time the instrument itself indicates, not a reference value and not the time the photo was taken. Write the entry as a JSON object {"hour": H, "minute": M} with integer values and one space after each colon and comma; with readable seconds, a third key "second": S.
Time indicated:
{"hour": 10, "minute": 47, "second": 27}
